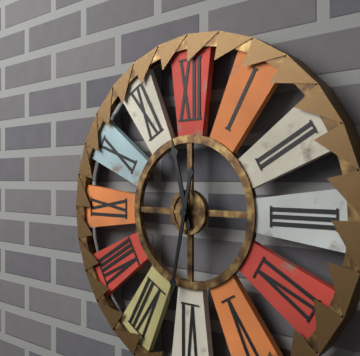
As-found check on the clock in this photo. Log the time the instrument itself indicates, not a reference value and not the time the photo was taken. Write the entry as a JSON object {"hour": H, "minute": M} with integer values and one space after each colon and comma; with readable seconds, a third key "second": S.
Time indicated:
{"hour": 11, "minute": 32}
